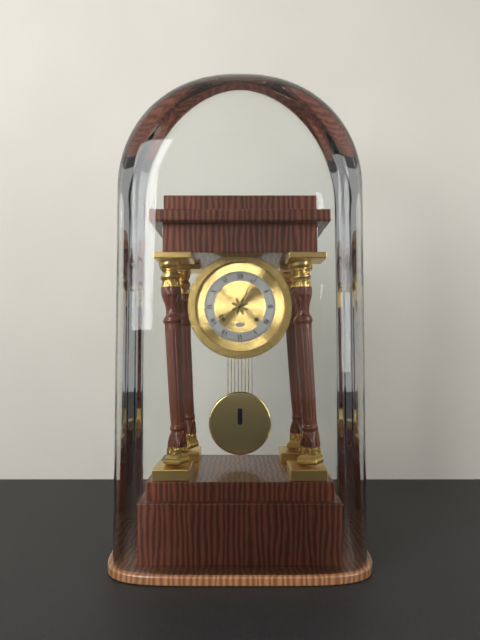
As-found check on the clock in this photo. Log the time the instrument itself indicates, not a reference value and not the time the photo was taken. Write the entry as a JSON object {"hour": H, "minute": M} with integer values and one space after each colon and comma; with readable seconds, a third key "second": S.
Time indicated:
{"hour": 8, "minute": 4}
